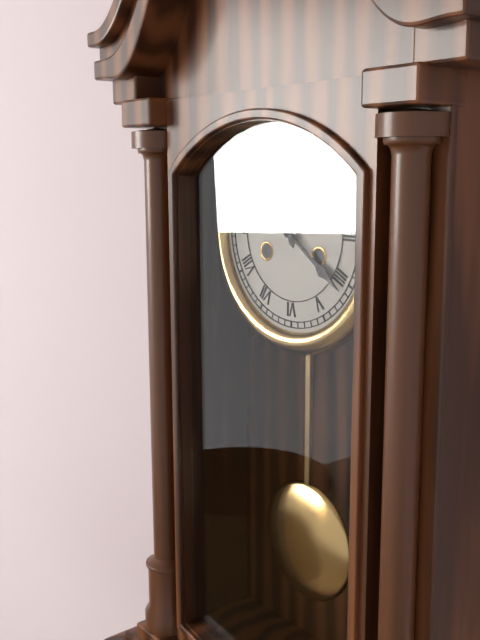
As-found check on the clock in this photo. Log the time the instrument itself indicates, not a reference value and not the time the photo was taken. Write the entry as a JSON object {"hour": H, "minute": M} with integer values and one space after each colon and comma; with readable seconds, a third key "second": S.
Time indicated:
{"hour": 11, "minute": 21}
